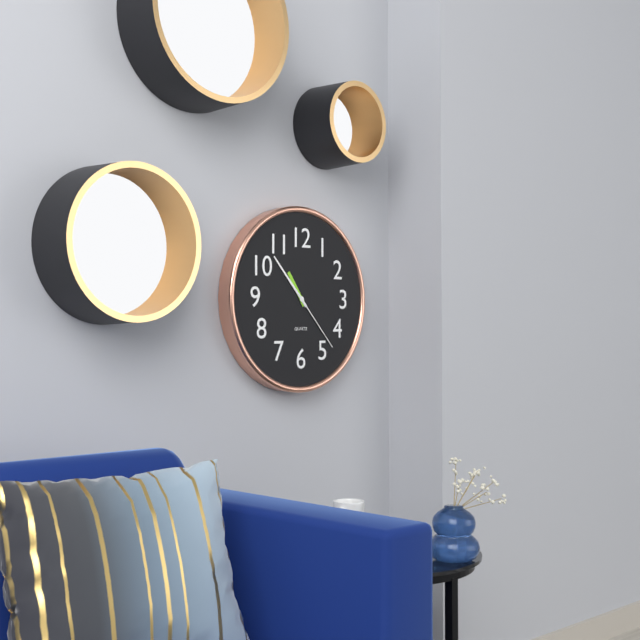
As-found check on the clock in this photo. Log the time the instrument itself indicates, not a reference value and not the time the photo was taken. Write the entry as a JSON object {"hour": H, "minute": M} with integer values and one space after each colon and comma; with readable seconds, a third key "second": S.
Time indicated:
{"hour": 10, "minute": 53, "second": 23}
